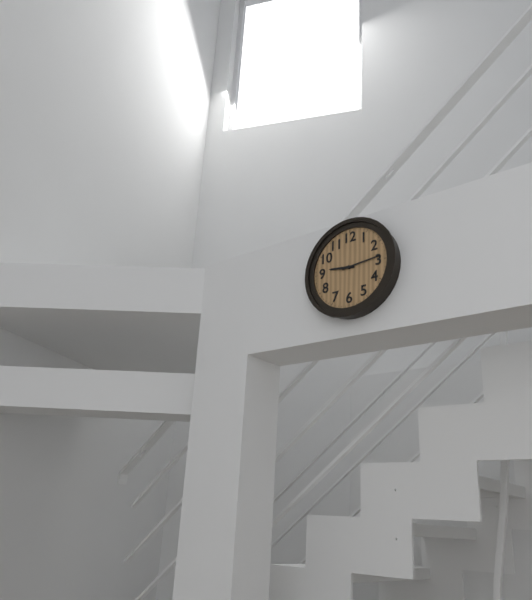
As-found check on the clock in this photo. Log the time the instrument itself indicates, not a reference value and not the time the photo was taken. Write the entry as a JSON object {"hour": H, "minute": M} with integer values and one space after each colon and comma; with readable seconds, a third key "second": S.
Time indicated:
{"hour": 9, "minute": 14}
